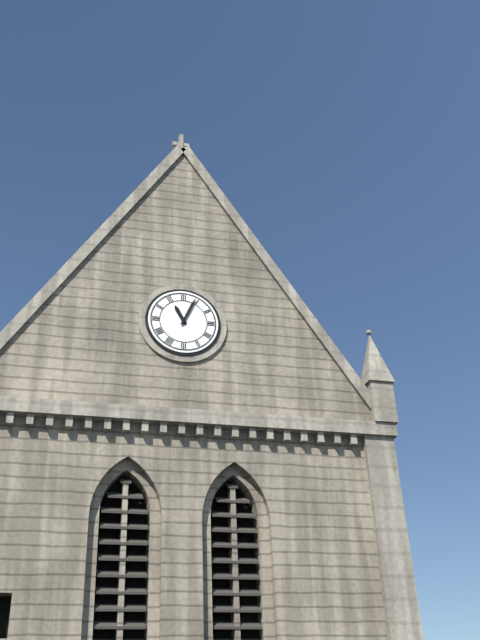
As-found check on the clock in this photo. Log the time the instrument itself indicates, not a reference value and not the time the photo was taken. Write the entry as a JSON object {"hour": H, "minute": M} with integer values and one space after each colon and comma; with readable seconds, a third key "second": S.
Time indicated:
{"hour": 11, "minute": 4}
